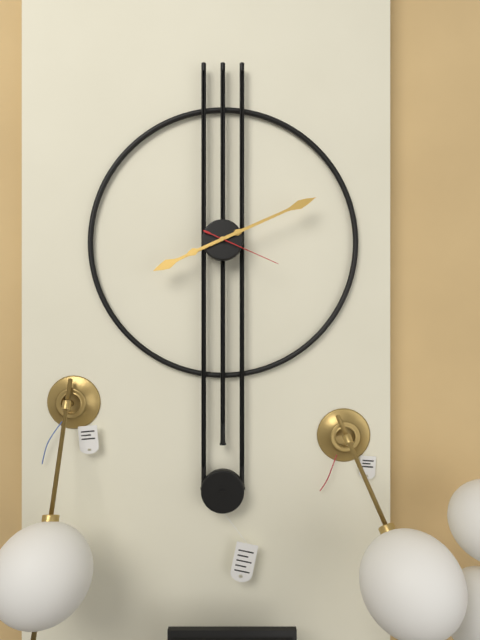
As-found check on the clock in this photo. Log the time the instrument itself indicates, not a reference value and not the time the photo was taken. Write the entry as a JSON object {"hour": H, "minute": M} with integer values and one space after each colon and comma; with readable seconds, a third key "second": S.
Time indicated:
{"hour": 8, "minute": 11, "second": 19}
